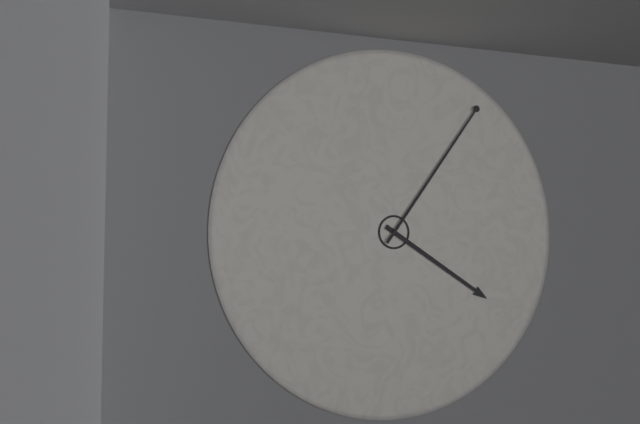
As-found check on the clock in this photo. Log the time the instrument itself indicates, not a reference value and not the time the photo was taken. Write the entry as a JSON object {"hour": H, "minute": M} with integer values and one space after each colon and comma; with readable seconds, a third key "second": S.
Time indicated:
{"hour": 4, "minute": 6}
